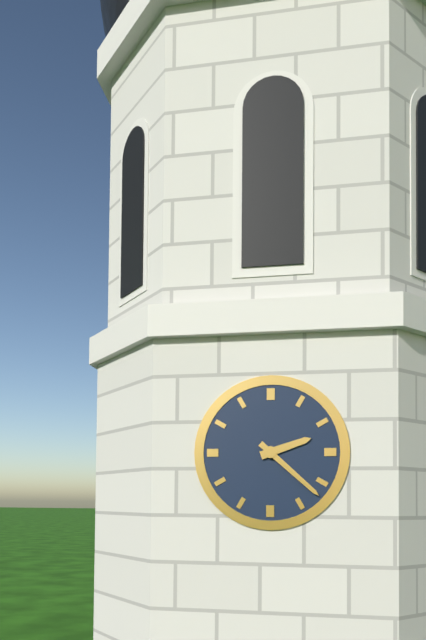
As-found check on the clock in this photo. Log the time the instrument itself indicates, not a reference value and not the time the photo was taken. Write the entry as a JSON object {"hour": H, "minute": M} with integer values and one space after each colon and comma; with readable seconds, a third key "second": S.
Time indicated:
{"hour": 2, "minute": 22}
